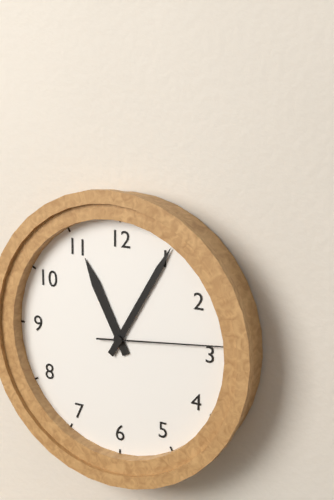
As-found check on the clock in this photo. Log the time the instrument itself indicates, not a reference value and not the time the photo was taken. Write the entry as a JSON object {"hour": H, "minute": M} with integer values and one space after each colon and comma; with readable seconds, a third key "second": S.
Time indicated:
{"hour": 11, "minute": 5, "second": 14}
